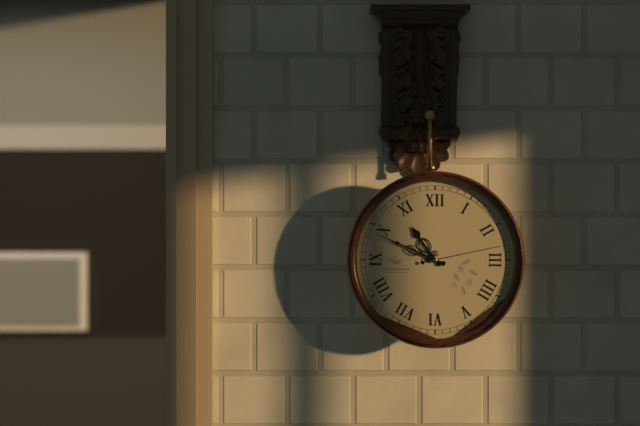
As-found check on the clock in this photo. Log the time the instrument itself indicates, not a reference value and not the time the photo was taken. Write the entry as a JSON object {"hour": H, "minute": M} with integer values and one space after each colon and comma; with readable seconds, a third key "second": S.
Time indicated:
{"hour": 10, "minute": 49, "second": 13}
